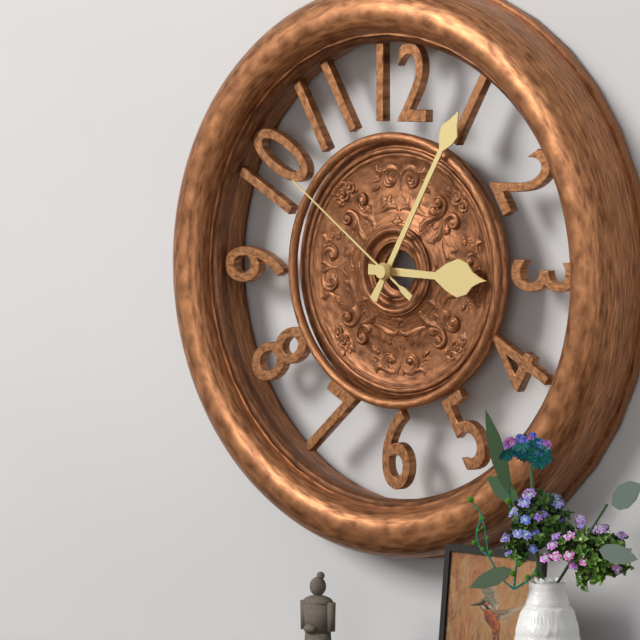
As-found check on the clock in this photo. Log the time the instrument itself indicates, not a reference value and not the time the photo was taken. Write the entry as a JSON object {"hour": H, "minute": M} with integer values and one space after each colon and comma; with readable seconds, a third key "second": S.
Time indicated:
{"hour": 3, "minute": 5, "second": 51}
